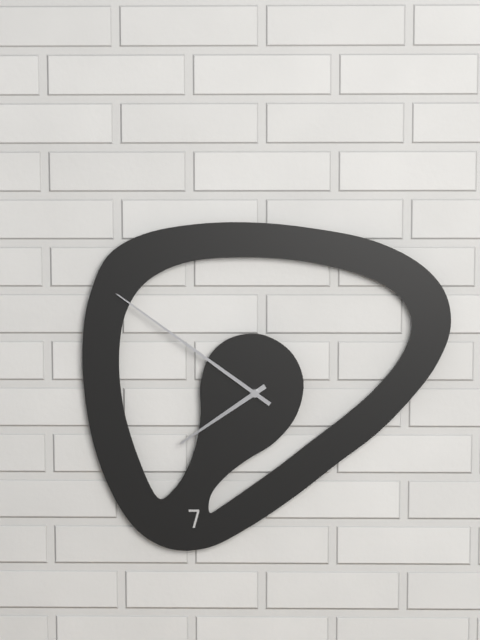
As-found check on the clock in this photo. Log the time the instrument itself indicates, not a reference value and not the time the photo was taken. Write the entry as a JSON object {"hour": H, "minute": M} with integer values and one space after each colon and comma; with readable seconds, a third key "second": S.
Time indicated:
{"hour": 7, "minute": 51}
